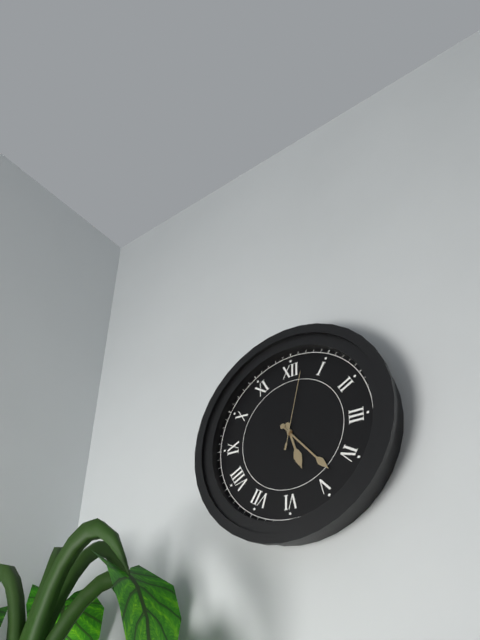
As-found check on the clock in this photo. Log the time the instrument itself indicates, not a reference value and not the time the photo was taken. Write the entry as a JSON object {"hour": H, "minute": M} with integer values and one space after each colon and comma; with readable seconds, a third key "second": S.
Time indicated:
{"hour": 5, "minute": 23, "second": 2}
